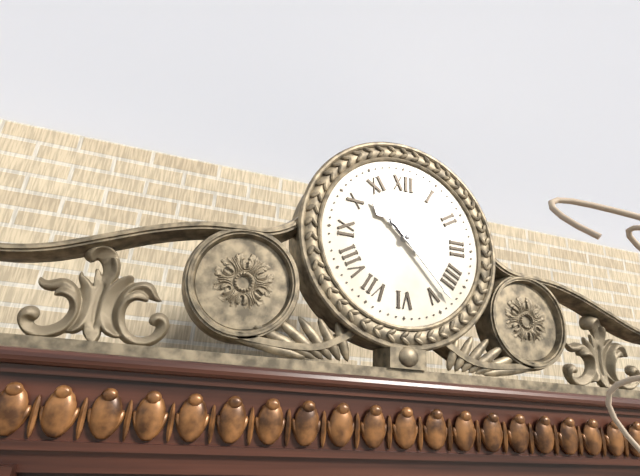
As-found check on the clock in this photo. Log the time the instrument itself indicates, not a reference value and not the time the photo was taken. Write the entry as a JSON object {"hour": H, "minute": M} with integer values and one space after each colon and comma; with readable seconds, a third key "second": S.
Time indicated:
{"hour": 10, "minute": 23}
